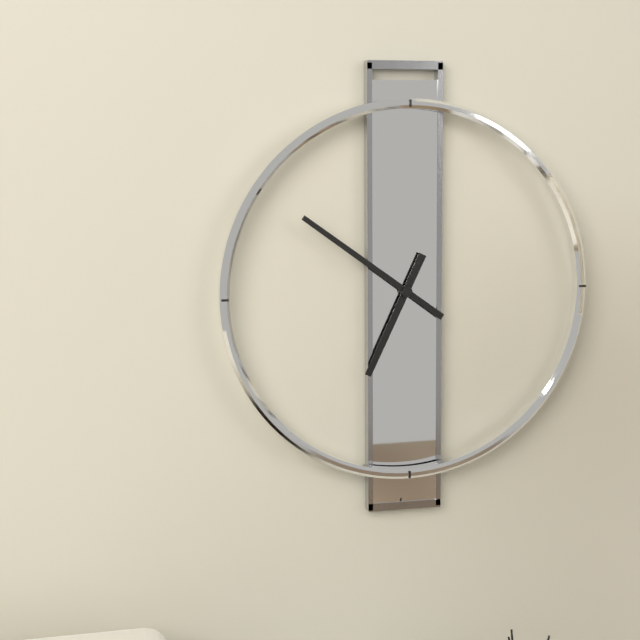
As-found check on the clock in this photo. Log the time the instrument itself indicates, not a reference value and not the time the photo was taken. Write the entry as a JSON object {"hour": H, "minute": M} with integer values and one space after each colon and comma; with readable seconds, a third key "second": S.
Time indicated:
{"hour": 6, "minute": 51}
